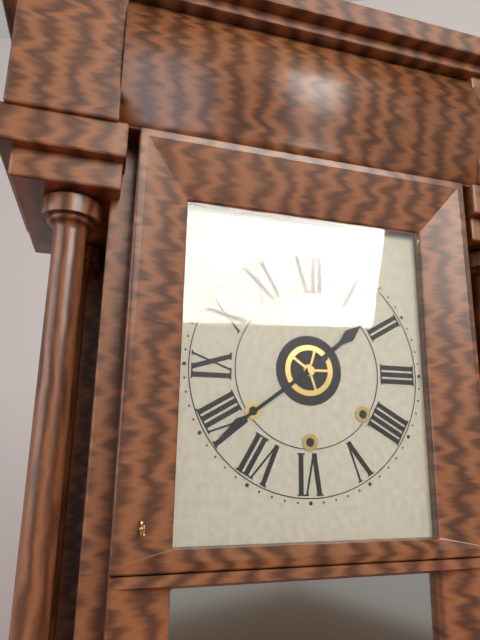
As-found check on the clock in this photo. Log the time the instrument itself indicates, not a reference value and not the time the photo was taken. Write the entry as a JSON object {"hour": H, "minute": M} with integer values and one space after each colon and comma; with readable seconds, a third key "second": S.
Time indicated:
{"hour": 1, "minute": 39}
